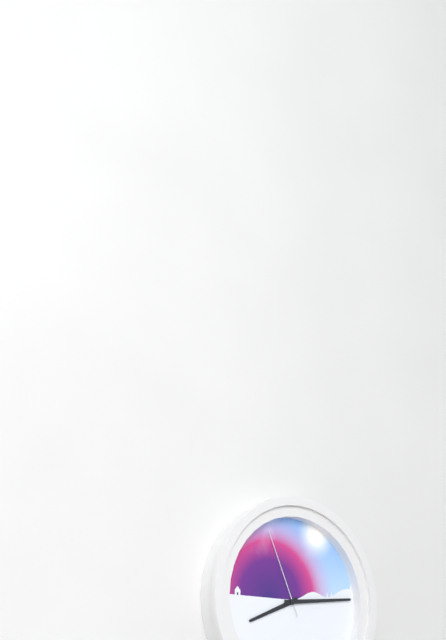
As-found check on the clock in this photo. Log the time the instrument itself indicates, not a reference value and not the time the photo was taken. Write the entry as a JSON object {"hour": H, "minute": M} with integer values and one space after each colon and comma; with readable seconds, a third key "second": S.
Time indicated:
{"hour": 8, "minute": 14, "second": 56}
